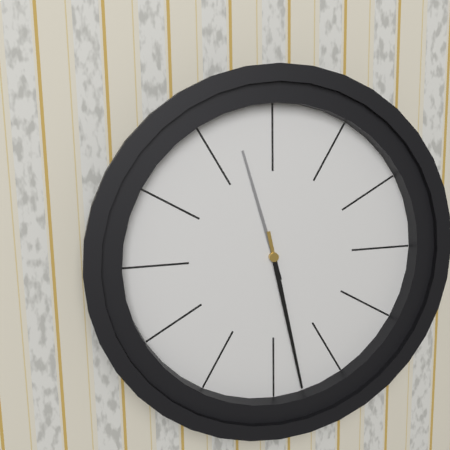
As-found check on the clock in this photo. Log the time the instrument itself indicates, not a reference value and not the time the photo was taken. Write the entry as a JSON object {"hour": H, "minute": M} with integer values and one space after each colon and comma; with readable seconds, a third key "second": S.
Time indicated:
{"hour": 11, "minute": 28}
